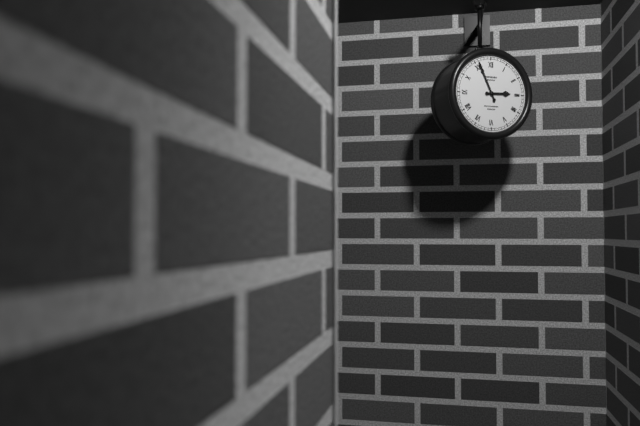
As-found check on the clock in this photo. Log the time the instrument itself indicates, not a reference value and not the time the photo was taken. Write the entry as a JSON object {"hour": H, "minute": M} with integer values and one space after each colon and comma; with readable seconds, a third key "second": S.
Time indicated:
{"hour": 2, "minute": 56}
